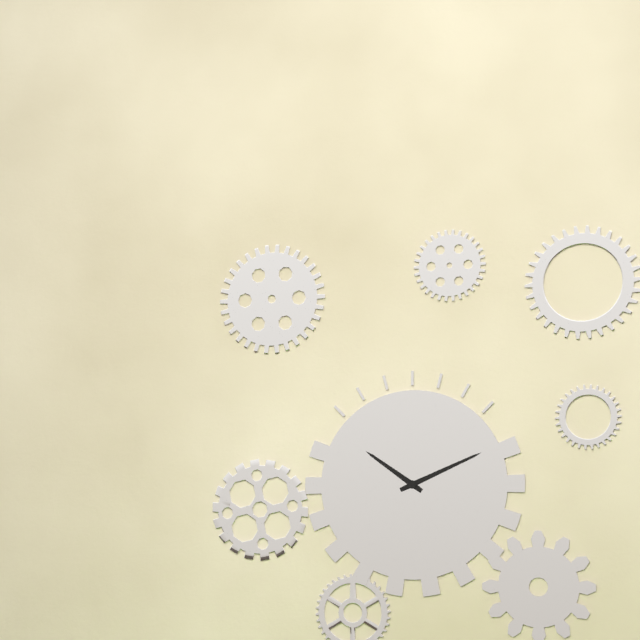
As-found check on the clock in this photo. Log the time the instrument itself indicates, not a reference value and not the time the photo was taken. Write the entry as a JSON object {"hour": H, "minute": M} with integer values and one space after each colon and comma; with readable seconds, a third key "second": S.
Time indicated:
{"hour": 10, "minute": 11}
